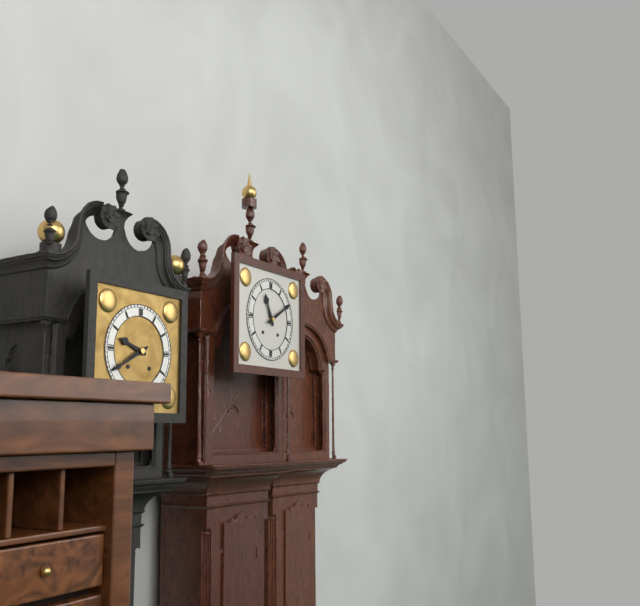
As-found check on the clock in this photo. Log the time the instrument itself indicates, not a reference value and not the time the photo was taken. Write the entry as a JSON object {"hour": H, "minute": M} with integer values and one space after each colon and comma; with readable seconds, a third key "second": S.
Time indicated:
{"hour": 11, "minute": 10}
